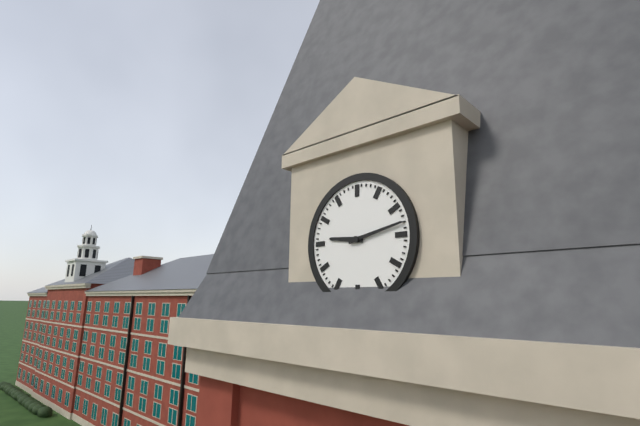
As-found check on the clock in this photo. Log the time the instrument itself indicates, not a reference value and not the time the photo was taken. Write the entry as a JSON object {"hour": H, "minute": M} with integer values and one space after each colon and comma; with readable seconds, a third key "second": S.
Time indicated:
{"hour": 9, "minute": 13}
